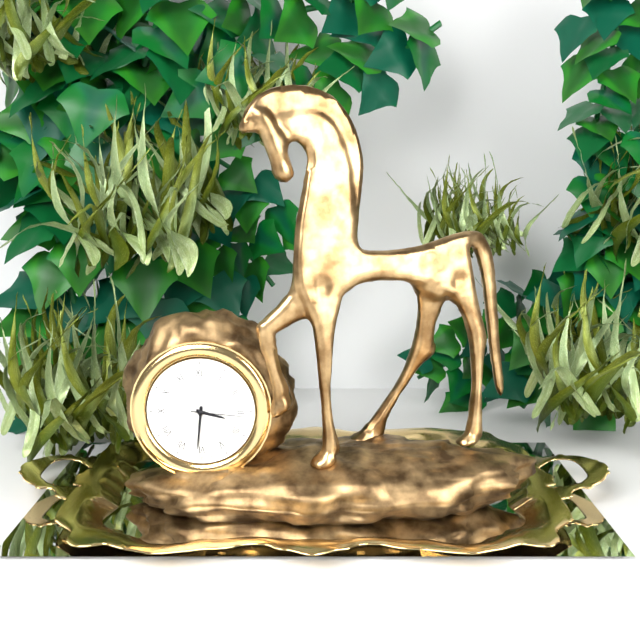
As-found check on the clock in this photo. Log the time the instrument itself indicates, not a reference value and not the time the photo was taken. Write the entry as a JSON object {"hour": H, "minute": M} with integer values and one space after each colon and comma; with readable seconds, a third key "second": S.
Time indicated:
{"hour": 3, "minute": 31, "second": 16}
